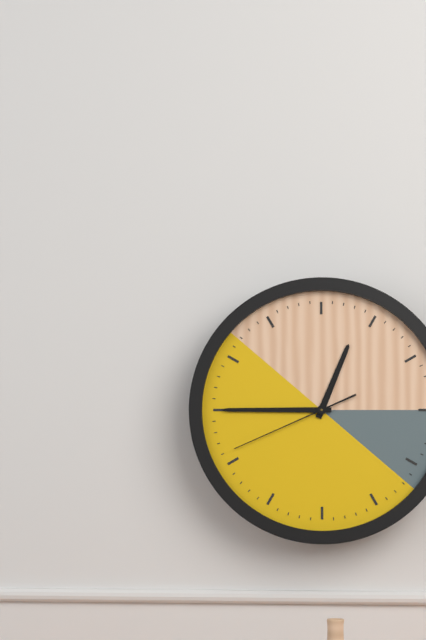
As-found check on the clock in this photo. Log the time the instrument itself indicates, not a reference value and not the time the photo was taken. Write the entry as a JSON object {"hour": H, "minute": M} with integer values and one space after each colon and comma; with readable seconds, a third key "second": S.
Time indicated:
{"hour": 12, "minute": 45, "second": 41}
